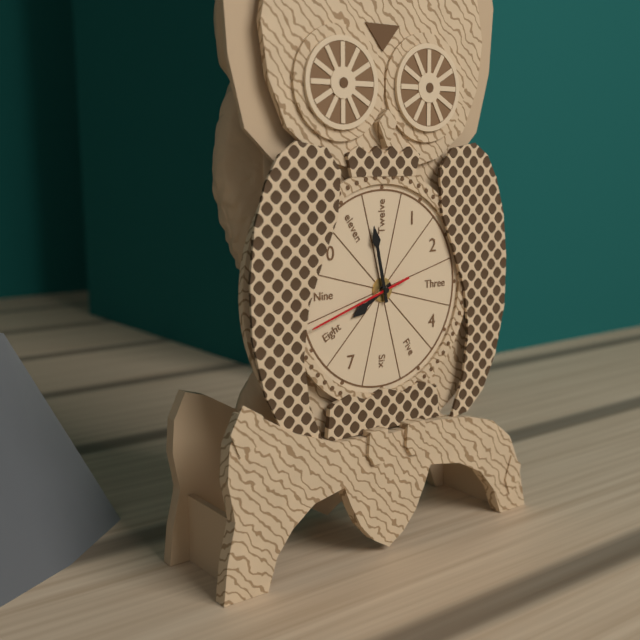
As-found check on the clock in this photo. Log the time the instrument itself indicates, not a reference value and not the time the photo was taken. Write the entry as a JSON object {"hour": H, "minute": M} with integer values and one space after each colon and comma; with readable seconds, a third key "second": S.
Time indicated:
{"hour": 7, "minute": 58, "second": 42}
